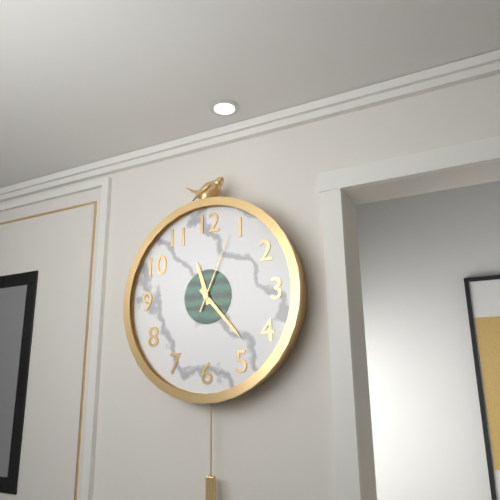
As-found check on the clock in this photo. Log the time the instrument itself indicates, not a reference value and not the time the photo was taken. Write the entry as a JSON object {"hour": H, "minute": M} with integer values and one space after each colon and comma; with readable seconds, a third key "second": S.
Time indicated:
{"hour": 11, "minute": 23, "second": 4}
